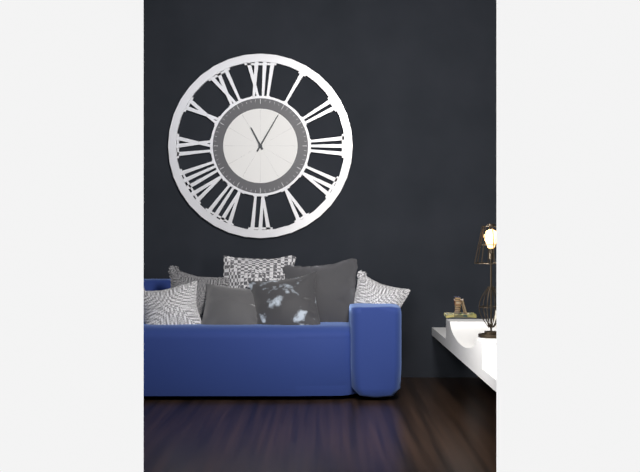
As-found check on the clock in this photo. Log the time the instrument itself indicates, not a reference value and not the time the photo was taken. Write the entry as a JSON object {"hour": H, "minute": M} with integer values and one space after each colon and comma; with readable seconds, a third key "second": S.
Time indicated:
{"hour": 11, "minute": 5}
